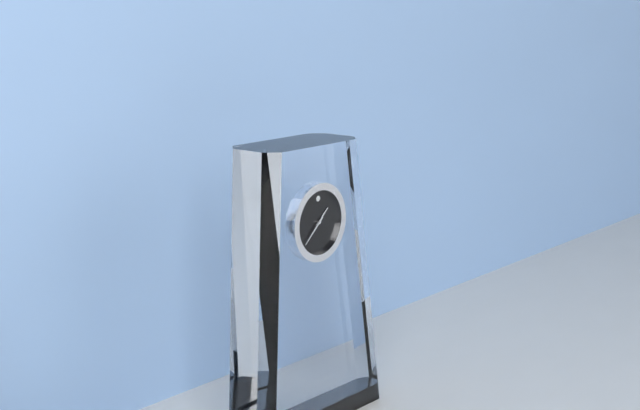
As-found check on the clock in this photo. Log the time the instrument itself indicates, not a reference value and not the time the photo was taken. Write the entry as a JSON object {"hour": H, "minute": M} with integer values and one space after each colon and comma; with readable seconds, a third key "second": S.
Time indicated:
{"hour": 1, "minute": 38}
